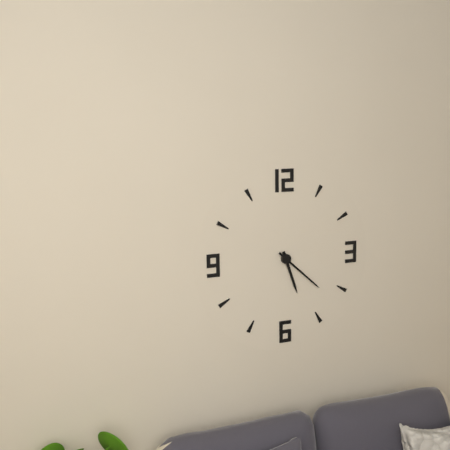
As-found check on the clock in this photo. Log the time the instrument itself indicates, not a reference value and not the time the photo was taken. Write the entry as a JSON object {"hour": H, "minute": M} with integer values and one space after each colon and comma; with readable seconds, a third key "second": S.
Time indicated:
{"hour": 5, "minute": 22}
